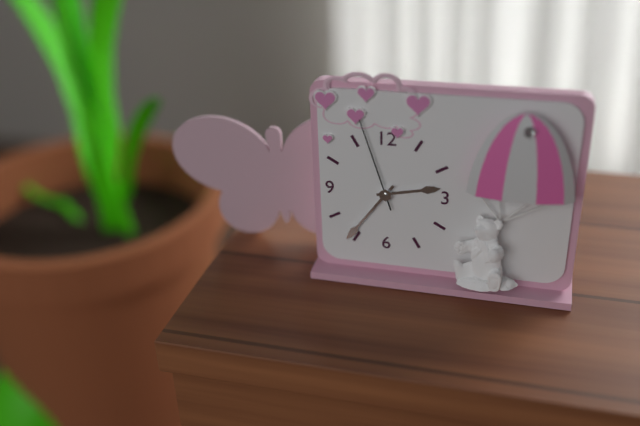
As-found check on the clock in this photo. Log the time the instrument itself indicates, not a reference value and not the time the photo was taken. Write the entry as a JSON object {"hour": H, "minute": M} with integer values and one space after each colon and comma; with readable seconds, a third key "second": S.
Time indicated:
{"hour": 2, "minute": 36, "second": 57}
